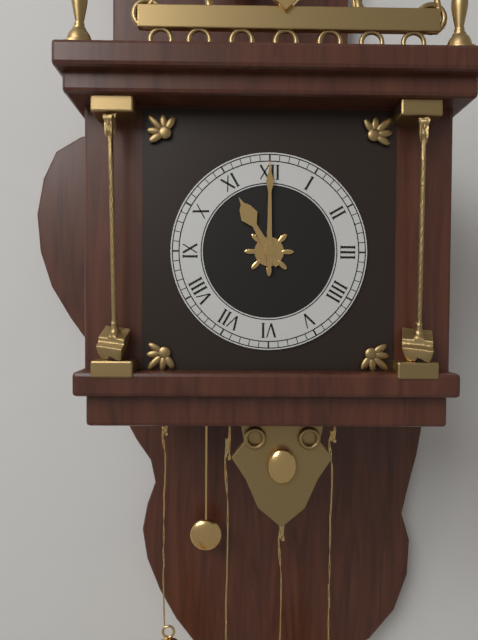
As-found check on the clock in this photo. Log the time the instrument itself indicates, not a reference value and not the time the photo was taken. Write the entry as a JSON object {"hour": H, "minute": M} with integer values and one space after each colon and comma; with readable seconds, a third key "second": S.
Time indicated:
{"hour": 11, "minute": 0}
